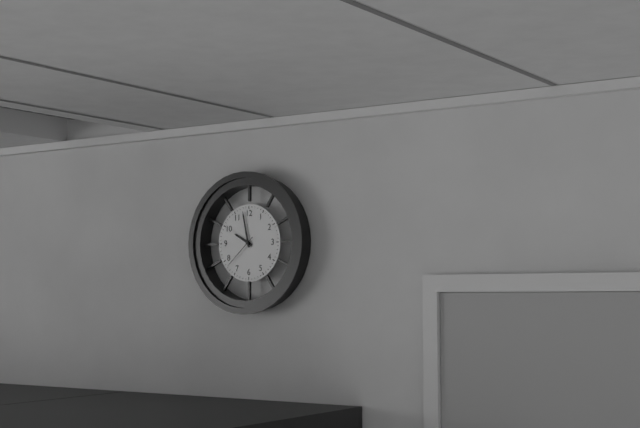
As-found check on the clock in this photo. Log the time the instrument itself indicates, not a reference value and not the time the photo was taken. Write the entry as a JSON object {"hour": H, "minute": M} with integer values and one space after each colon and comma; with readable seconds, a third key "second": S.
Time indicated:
{"hour": 9, "minute": 58}
